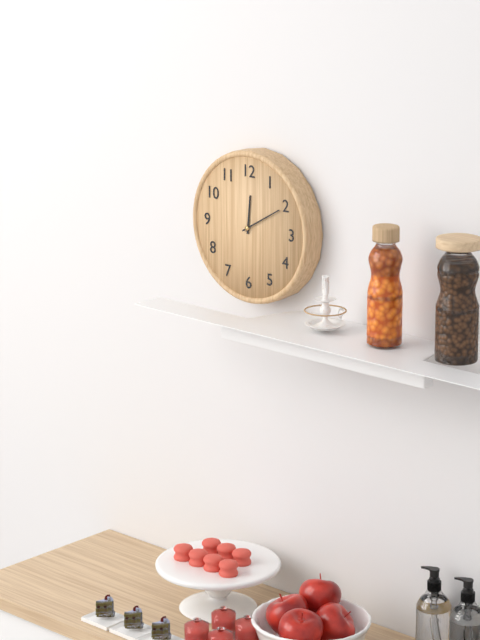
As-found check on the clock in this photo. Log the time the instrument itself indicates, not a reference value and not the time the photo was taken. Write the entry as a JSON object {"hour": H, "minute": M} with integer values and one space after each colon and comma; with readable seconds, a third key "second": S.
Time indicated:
{"hour": 12, "minute": 10}
